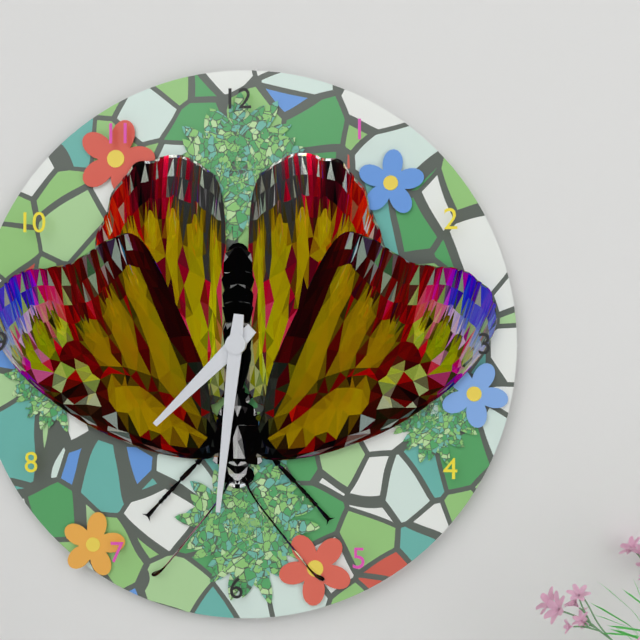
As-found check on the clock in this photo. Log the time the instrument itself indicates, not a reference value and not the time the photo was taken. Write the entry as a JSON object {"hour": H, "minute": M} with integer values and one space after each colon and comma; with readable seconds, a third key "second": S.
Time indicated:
{"hour": 7, "minute": 31}
